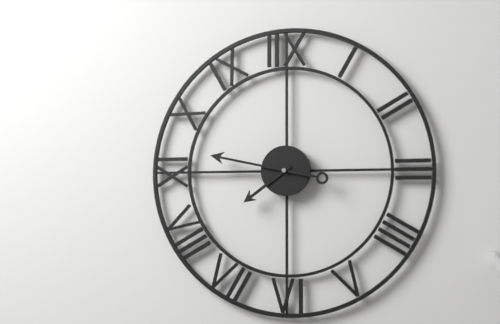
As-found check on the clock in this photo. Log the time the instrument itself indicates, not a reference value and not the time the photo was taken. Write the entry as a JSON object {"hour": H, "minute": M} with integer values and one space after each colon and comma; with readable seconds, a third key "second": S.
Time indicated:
{"hour": 7, "minute": 47}
